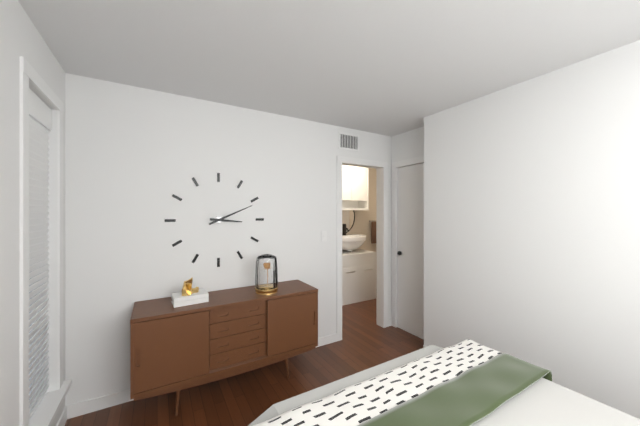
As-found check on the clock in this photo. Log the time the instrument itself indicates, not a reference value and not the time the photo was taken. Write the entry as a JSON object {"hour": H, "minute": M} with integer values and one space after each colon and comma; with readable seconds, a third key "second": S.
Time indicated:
{"hour": 3, "minute": 11}
